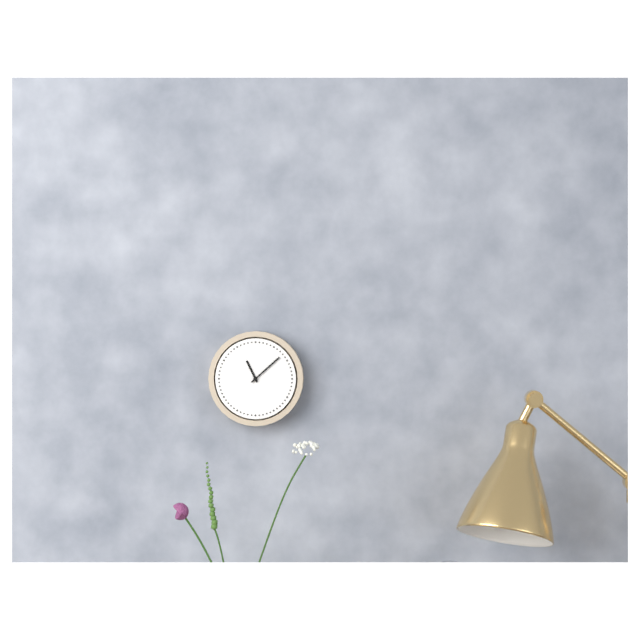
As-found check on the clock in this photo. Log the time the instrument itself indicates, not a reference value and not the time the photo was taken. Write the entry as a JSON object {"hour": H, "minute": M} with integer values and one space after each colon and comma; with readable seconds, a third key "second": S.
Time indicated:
{"hour": 11, "minute": 8}
